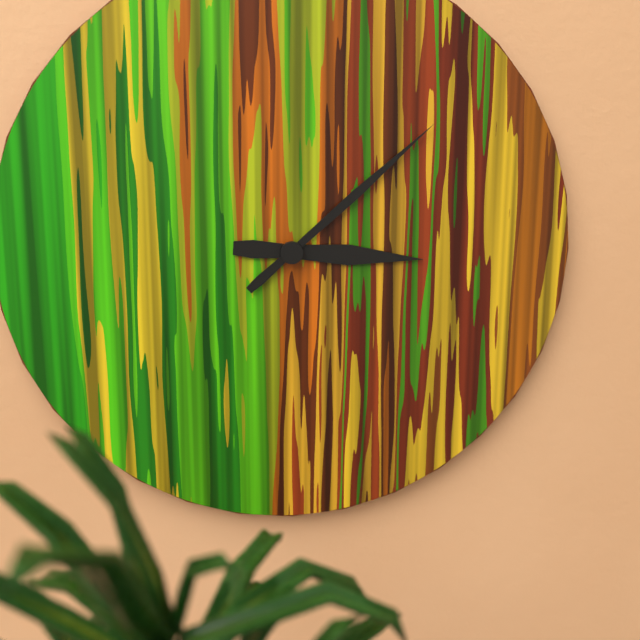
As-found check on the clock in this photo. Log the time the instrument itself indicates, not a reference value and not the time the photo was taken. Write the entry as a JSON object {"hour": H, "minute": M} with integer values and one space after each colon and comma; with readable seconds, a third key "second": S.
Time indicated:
{"hour": 3, "minute": 8}
